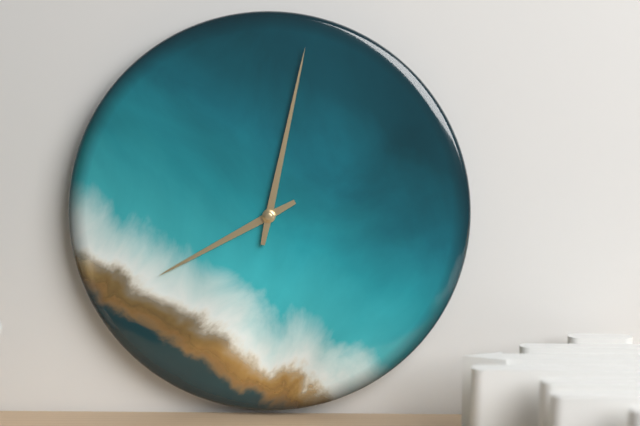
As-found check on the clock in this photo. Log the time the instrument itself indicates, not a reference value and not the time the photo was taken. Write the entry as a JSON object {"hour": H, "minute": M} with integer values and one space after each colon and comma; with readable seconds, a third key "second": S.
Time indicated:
{"hour": 8, "minute": 2}
